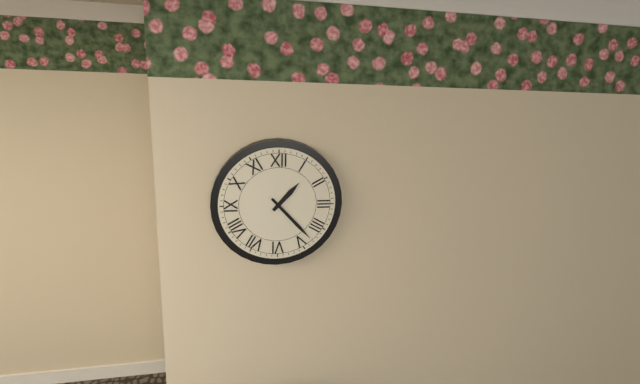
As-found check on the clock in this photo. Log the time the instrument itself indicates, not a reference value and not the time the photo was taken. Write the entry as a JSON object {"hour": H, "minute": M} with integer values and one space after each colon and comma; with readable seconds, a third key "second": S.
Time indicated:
{"hour": 1, "minute": 23}
